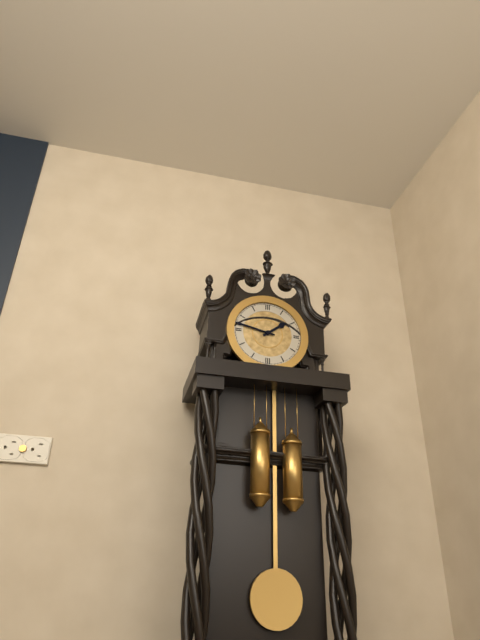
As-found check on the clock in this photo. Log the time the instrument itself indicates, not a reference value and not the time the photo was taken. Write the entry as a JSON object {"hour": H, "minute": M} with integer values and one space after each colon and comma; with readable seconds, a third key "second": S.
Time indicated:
{"hour": 1, "minute": 47}
